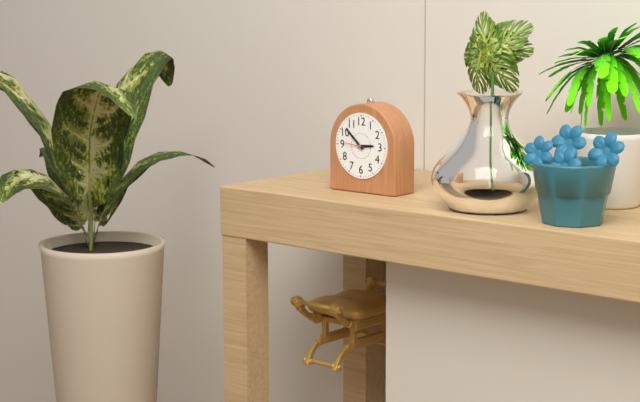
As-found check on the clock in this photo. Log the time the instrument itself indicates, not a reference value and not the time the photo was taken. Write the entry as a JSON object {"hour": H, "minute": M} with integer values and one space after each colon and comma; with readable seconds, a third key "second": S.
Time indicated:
{"hour": 2, "minute": 52}
